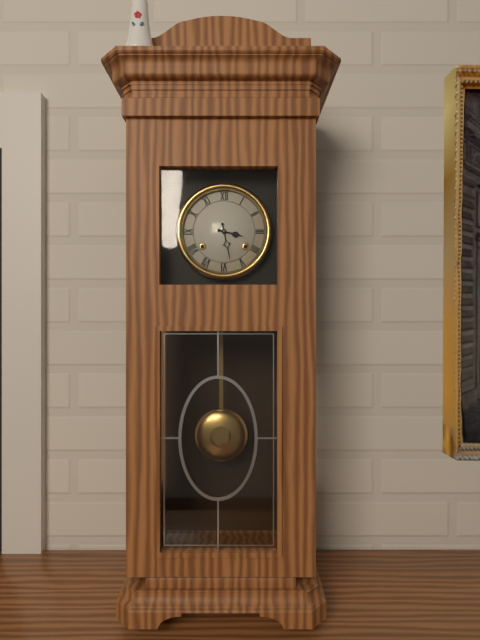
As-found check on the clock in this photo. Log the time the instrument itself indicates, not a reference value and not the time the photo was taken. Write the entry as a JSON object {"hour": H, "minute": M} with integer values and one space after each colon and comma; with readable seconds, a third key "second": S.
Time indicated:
{"hour": 3, "minute": 28}
